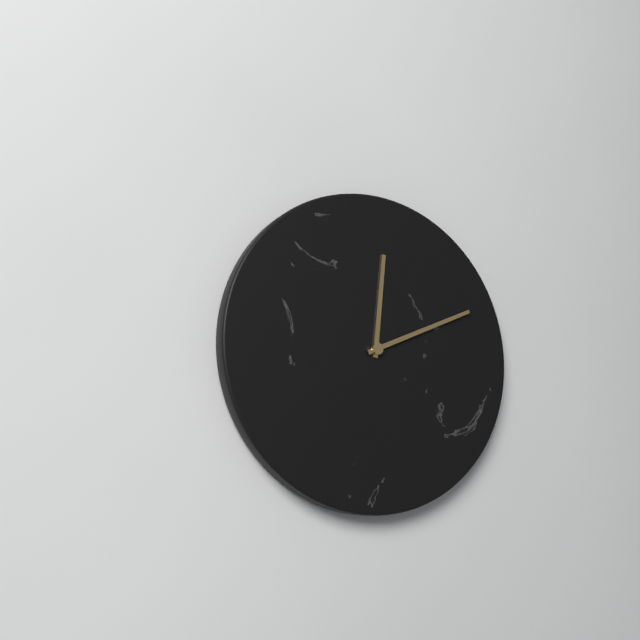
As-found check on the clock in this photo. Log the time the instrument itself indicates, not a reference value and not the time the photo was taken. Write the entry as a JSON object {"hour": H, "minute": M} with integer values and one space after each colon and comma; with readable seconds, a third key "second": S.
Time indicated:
{"hour": 12, "minute": 11}
